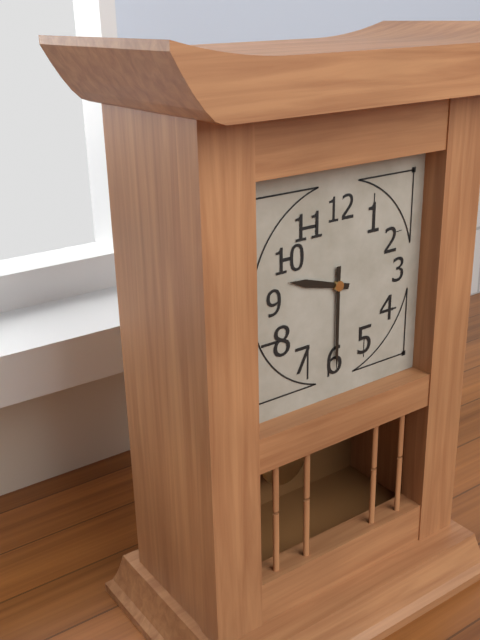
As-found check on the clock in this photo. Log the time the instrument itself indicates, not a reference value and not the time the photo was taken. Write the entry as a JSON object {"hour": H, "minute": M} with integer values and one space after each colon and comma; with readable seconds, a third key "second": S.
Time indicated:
{"hour": 9, "minute": 30}
